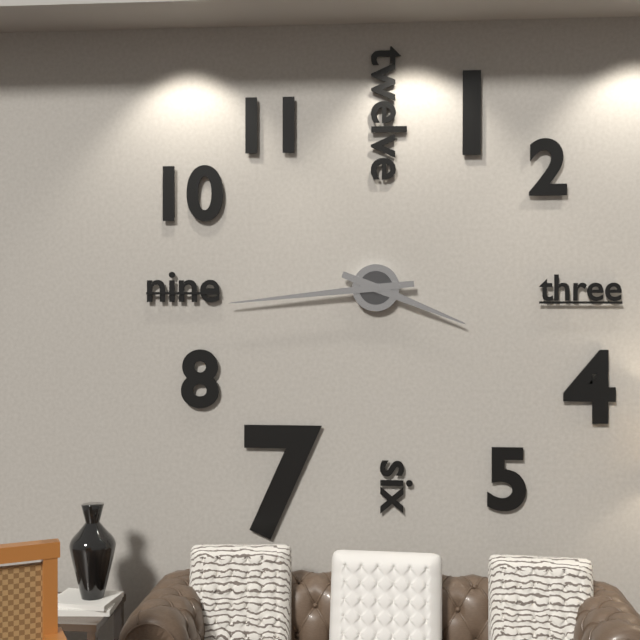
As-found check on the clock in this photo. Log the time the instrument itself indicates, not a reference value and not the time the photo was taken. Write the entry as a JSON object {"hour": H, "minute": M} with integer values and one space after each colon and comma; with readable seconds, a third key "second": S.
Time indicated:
{"hour": 3, "minute": 44}
